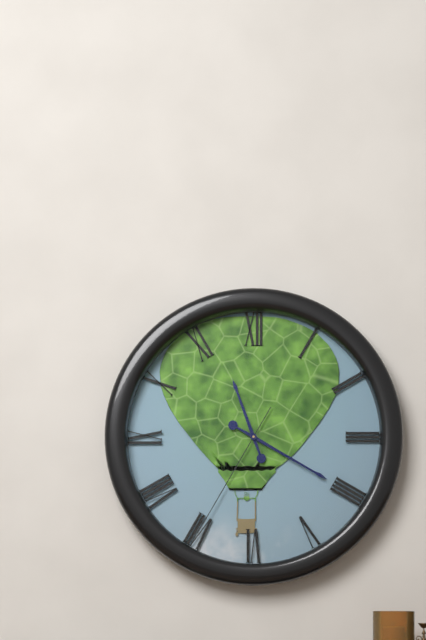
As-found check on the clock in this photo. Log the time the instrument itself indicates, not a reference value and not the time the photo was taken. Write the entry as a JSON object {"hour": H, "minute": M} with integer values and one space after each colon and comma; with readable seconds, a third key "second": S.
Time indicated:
{"hour": 11, "minute": 20, "second": 35}
